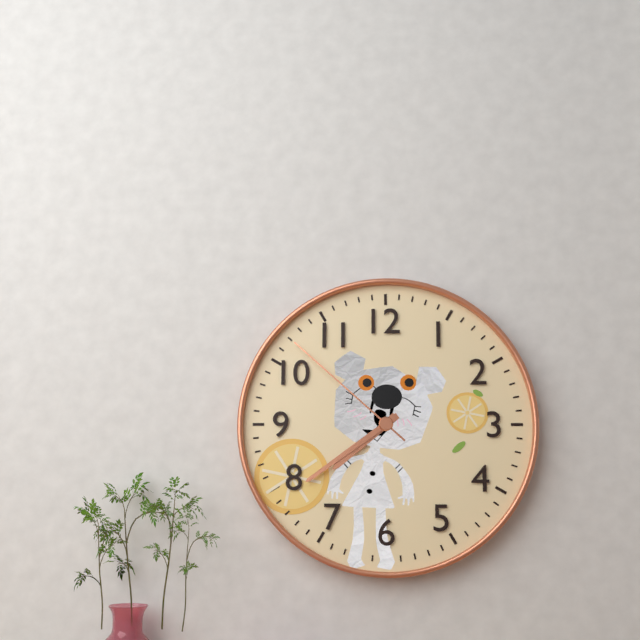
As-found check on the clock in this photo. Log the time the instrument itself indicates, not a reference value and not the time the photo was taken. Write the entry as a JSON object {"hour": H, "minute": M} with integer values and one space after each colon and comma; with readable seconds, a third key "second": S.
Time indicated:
{"hour": 7, "minute": 39, "second": 52}
